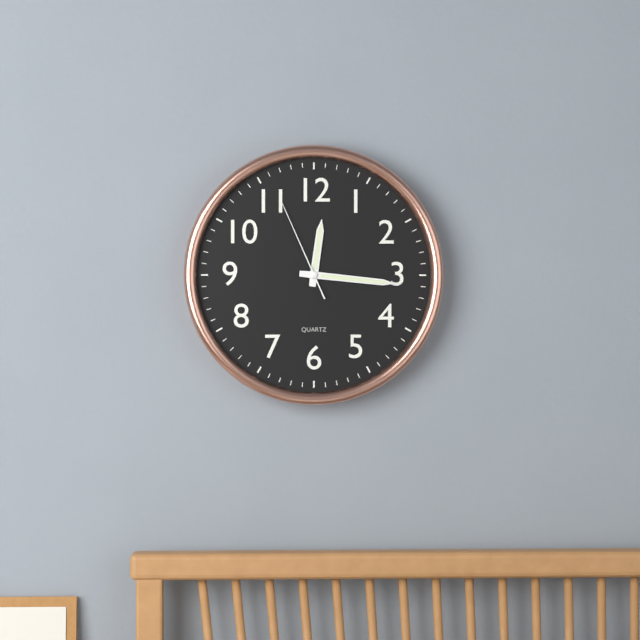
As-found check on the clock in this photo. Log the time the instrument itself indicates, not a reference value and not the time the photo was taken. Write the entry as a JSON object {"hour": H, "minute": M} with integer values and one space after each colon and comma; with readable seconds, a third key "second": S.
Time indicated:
{"hour": 12, "minute": 16, "second": 56}
